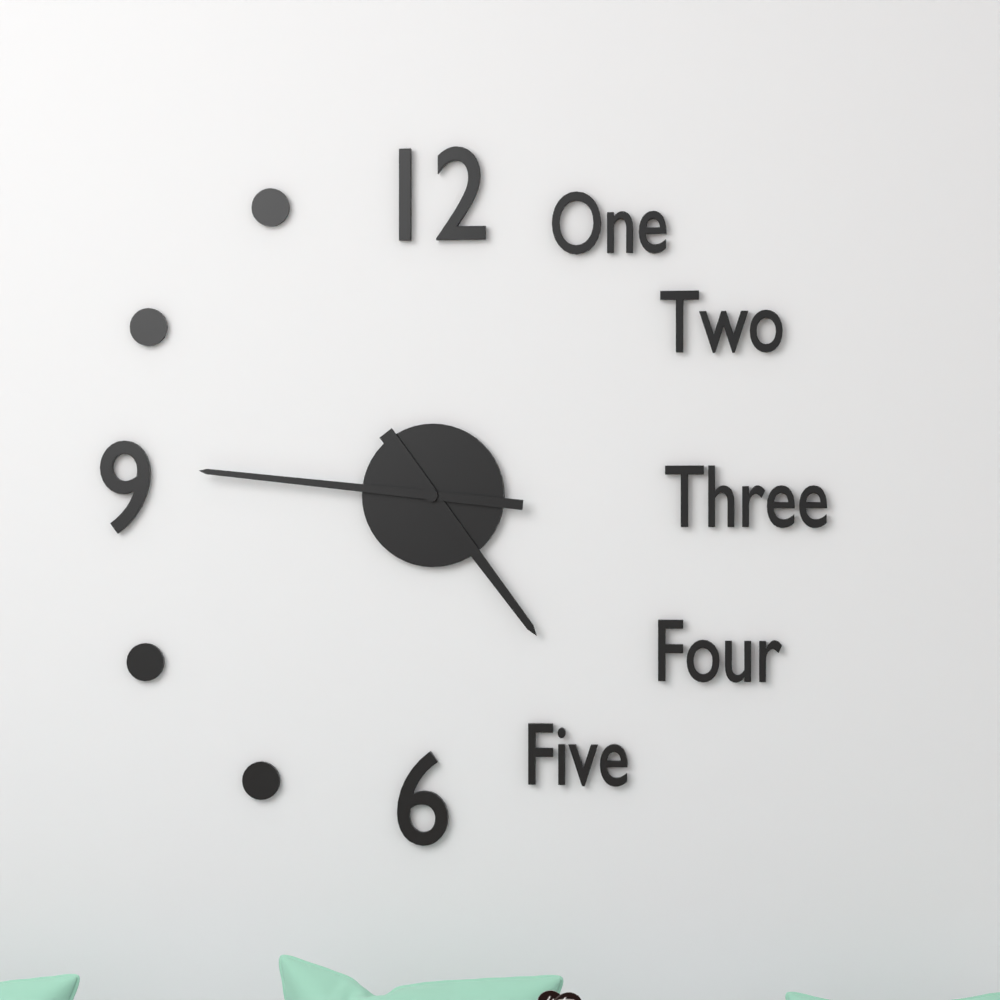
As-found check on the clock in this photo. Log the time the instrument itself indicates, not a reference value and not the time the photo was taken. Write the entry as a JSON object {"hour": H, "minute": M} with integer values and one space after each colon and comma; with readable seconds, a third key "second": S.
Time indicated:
{"hour": 4, "minute": 46}
